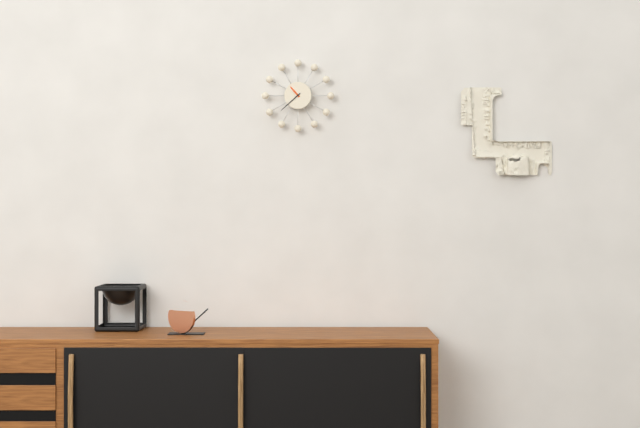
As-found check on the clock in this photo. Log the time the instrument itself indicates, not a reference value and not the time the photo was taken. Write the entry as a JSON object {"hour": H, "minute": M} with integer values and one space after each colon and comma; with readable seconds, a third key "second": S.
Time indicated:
{"hour": 10, "minute": 38}
